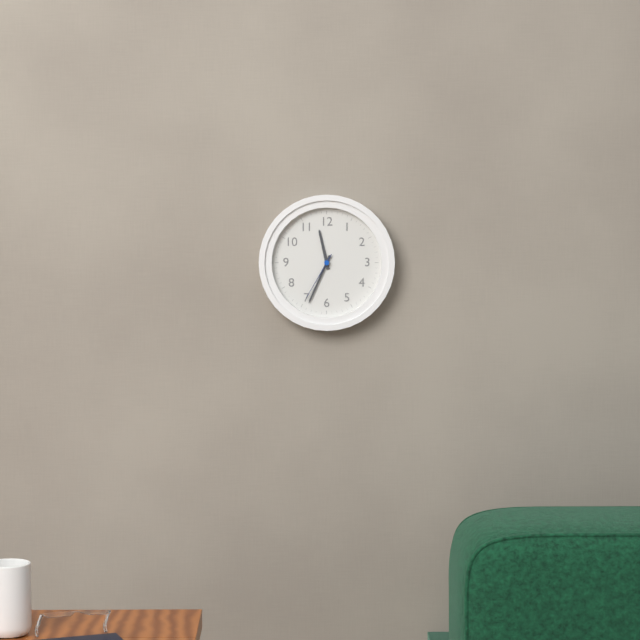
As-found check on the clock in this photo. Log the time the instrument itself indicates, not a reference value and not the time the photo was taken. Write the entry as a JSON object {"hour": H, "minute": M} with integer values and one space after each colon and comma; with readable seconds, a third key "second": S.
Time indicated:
{"hour": 11, "minute": 34, "second": 35}
